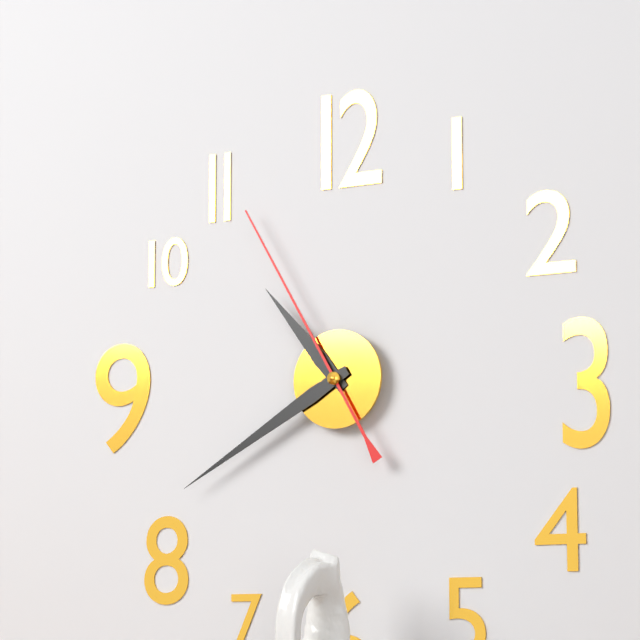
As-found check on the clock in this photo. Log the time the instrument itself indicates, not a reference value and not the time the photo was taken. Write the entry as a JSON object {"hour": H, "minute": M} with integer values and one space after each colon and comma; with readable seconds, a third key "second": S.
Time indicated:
{"hour": 10, "minute": 40, "second": 55}
